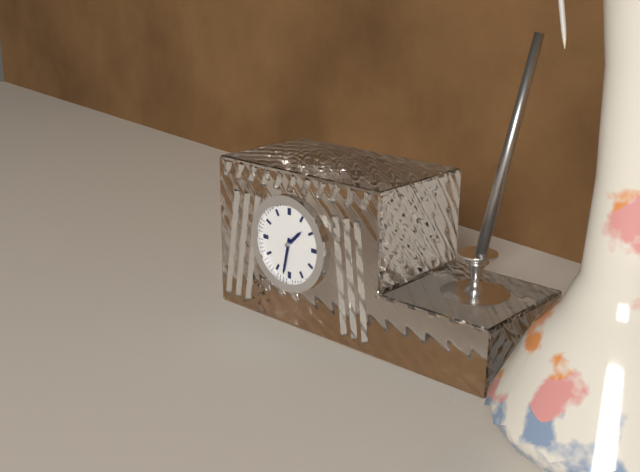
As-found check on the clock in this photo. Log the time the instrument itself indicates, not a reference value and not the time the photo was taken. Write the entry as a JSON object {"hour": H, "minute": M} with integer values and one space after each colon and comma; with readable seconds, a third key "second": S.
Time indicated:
{"hour": 1, "minute": 32}
